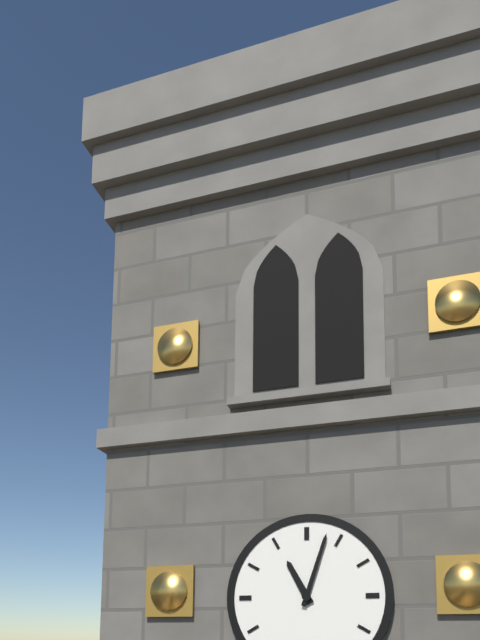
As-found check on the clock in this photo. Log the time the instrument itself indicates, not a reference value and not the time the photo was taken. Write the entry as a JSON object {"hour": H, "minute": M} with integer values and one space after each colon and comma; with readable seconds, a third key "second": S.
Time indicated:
{"hour": 11, "minute": 3}
